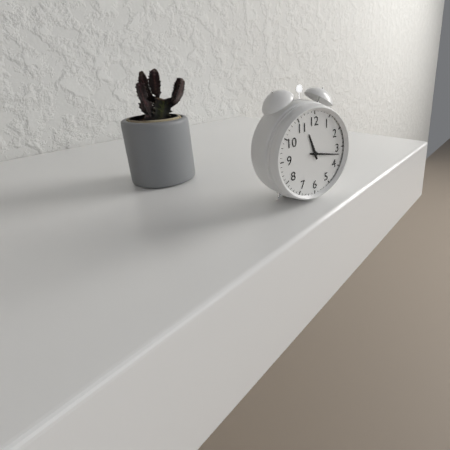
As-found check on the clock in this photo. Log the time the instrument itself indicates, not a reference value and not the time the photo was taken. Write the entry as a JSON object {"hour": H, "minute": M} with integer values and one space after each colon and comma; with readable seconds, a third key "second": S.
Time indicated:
{"hour": 11, "minute": 17}
